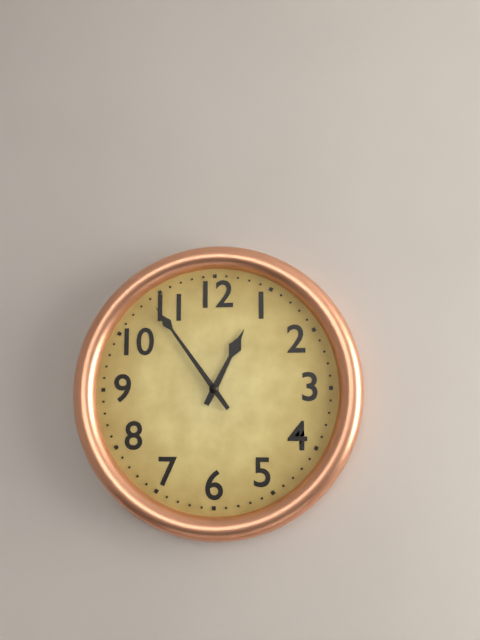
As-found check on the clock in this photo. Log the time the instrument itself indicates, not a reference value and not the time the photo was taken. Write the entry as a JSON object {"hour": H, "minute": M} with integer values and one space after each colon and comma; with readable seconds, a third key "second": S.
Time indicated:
{"hour": 12, "minute": 54}
